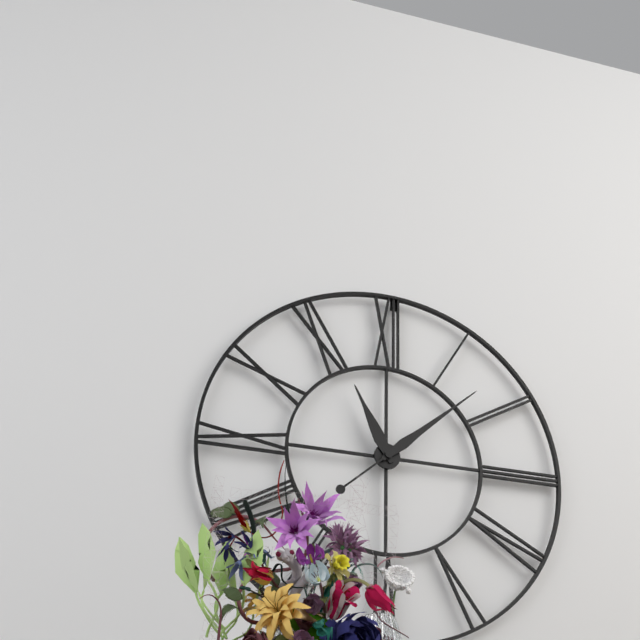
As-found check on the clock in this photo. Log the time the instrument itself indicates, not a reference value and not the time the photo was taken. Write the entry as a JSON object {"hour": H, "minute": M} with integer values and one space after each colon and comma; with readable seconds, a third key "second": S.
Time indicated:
{"hour": 11, "minute": 8}
